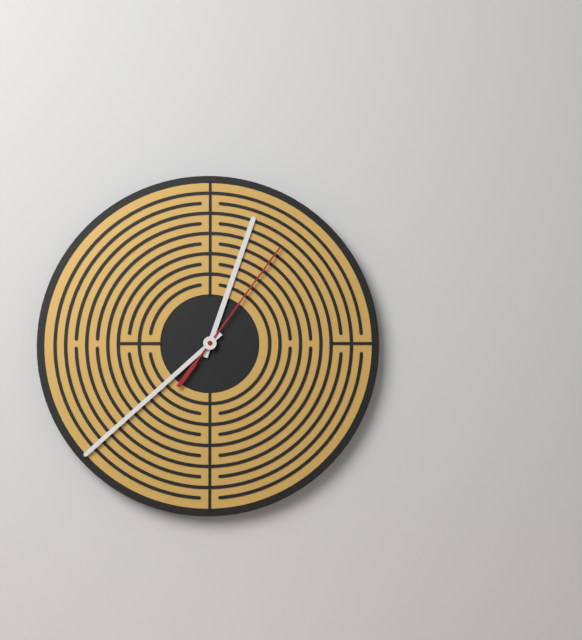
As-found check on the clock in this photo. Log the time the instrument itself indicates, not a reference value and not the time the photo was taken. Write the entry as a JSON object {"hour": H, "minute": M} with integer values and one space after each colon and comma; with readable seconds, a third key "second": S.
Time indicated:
{"hour": 12, "minute": 38, "second": 6}
